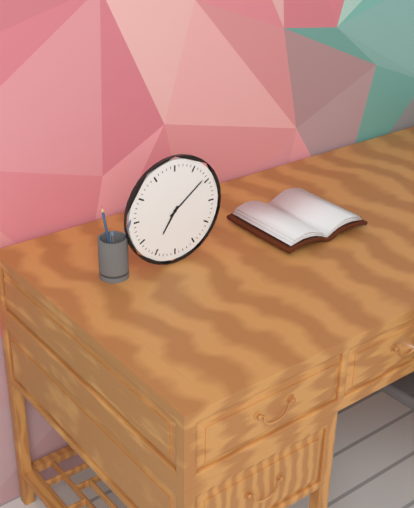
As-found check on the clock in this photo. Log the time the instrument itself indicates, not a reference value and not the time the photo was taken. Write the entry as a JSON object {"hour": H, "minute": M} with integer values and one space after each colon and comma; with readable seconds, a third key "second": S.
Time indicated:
{"hour": 7, "minute": 9}
